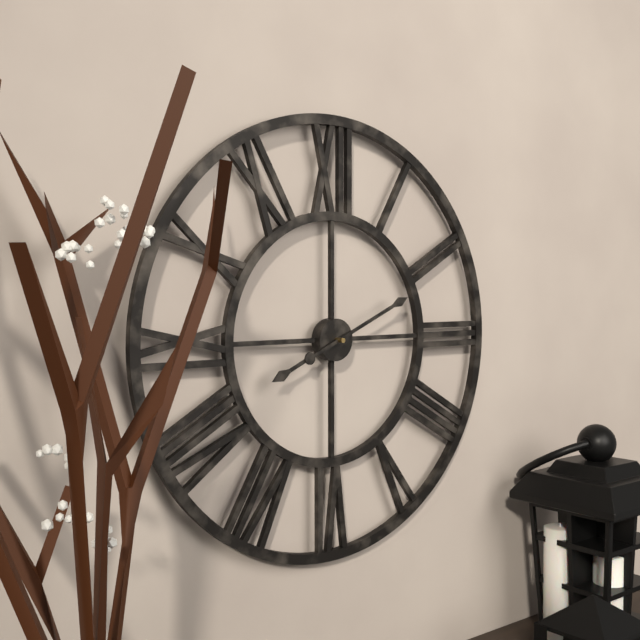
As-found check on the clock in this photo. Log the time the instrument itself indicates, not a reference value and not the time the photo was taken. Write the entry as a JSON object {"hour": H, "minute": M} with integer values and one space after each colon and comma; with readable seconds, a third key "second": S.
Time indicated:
{"hour": 8, "minute": 11}
